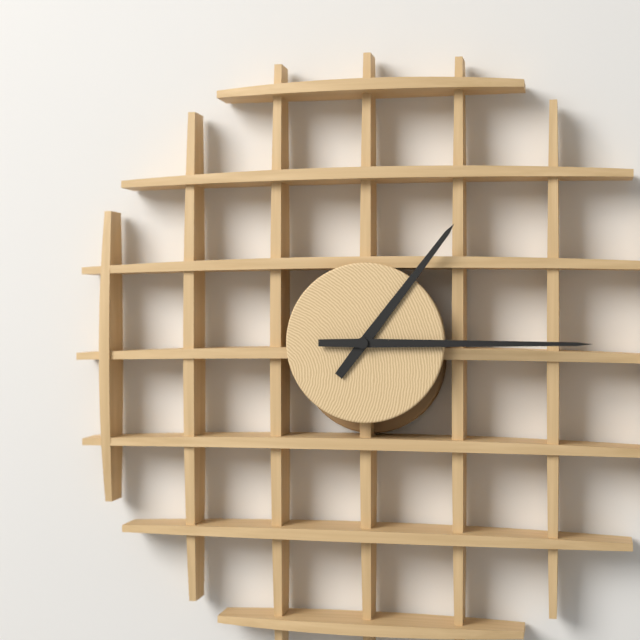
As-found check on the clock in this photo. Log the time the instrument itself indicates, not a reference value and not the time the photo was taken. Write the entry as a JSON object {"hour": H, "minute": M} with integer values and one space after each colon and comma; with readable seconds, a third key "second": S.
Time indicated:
{"hour": 1, "minute": 15}
